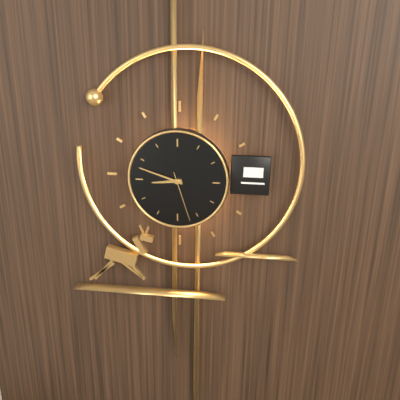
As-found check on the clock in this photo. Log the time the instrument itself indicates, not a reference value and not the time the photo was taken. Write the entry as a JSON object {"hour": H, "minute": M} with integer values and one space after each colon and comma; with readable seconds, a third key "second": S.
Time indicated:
{"hour": 8, "minute": 48, "second": 27}
